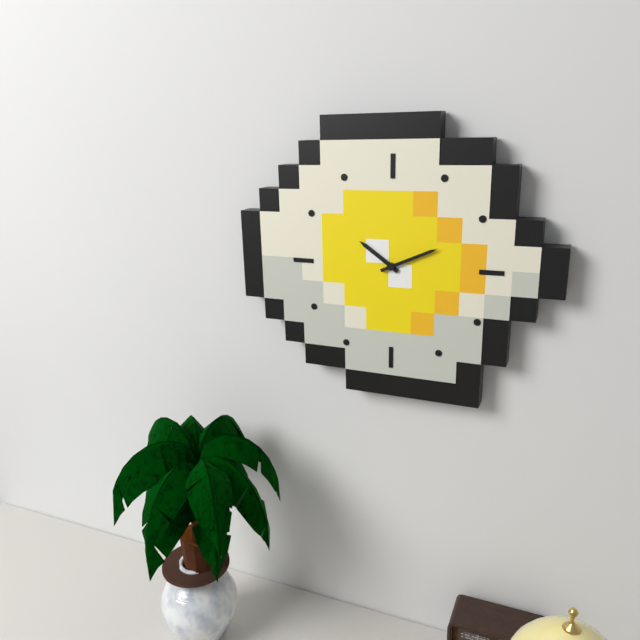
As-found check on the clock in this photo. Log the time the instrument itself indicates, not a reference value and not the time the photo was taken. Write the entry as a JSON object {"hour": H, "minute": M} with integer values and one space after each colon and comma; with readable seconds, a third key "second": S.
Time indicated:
{"hour": 10, "minute": 11}
